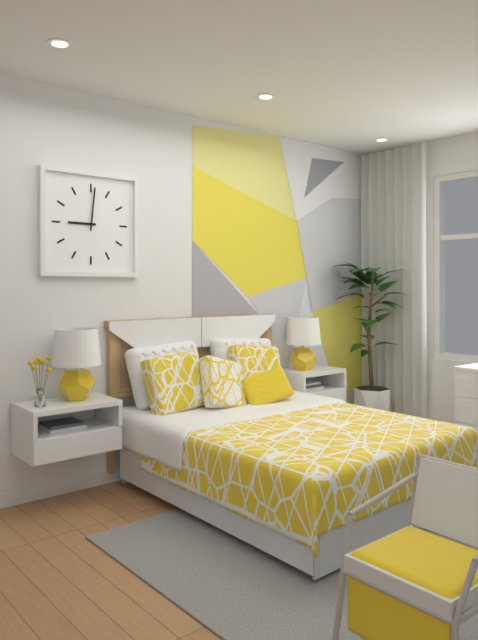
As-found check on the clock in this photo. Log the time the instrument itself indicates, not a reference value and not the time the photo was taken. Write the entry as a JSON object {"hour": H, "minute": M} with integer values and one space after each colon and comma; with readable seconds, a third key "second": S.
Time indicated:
{"hour": 9, "minute": 1}
